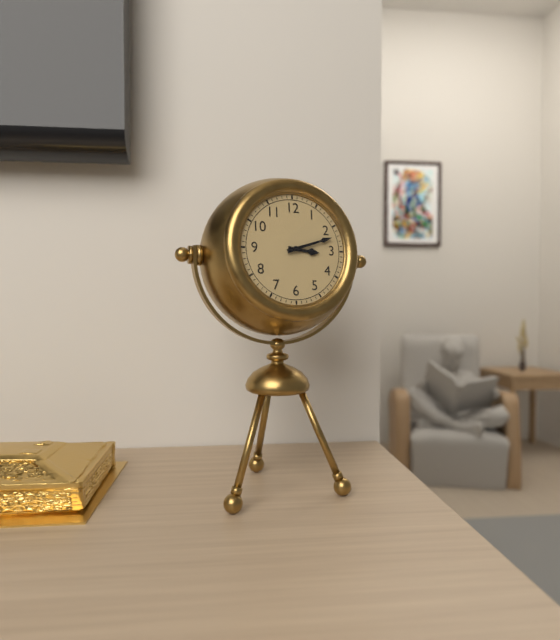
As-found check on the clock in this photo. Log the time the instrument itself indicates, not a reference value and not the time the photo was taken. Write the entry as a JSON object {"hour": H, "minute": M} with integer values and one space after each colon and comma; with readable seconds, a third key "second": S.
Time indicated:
{"hour": 3, "minute": 12}
